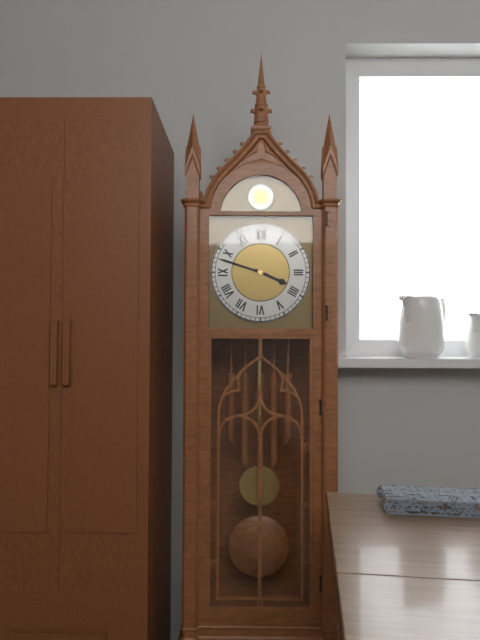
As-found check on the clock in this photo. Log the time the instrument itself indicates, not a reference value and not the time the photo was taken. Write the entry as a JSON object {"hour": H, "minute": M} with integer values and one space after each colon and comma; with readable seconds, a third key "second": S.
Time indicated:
{"hour": 3, "minute": 48}
